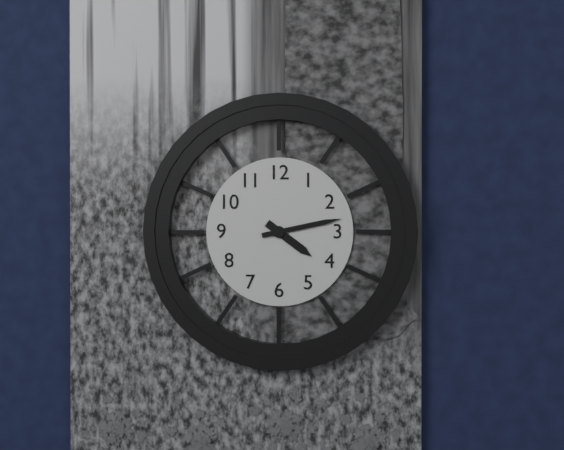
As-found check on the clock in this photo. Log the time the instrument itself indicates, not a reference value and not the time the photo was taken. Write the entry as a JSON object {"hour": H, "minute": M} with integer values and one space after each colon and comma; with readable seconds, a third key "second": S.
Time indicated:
{"hour": 4, "minute": 13}
